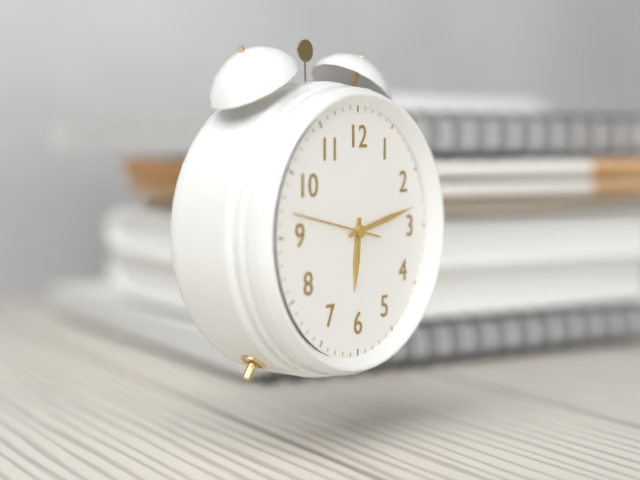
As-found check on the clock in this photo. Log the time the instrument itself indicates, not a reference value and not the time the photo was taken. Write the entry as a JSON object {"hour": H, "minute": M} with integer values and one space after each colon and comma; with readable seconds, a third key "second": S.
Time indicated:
{"hour": 6, "minute": 13, "second": 47}
